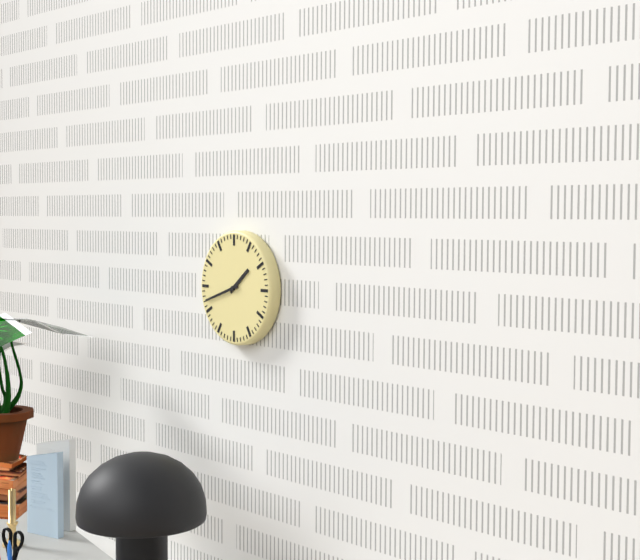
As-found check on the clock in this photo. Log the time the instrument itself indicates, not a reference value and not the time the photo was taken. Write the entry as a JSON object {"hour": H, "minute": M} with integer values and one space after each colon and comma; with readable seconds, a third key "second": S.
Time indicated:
{"hour": 1, "minute": 42}
